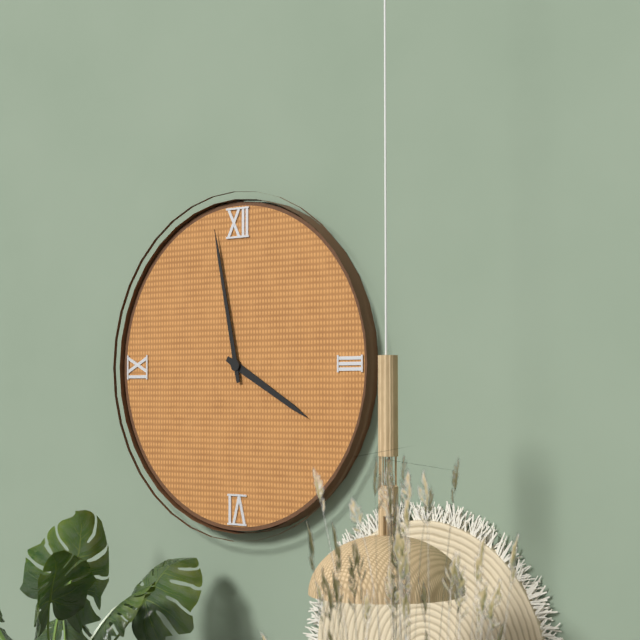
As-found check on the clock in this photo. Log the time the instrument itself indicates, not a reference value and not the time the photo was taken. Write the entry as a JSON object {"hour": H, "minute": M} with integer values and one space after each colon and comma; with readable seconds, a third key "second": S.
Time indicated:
{"hour": 3, "minute": 58}
